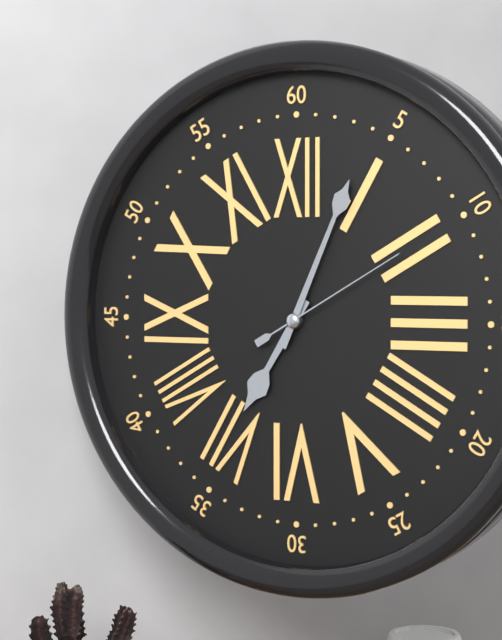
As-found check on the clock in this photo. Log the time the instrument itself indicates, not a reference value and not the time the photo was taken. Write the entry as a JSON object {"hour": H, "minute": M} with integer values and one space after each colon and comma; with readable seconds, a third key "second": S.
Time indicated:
{"hour": 7, "minute": 4, "second": 10}
